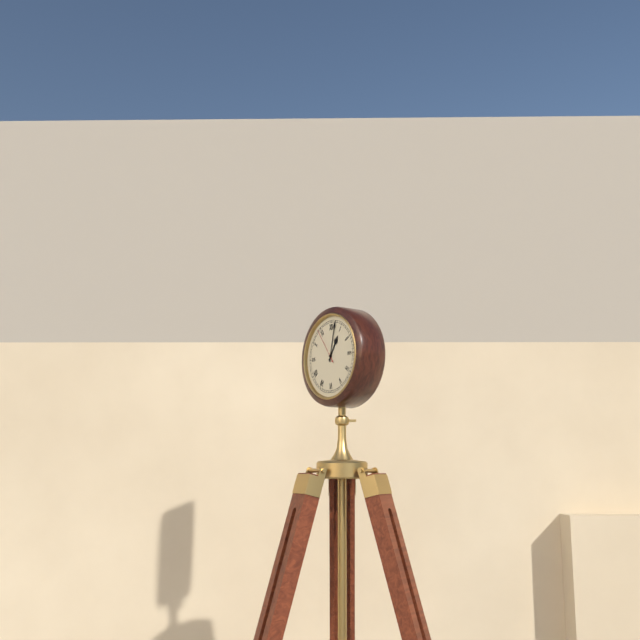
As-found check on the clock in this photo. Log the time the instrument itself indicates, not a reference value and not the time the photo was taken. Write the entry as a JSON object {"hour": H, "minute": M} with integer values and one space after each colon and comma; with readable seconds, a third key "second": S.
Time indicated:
{"hour": 1, "minute": 2}
